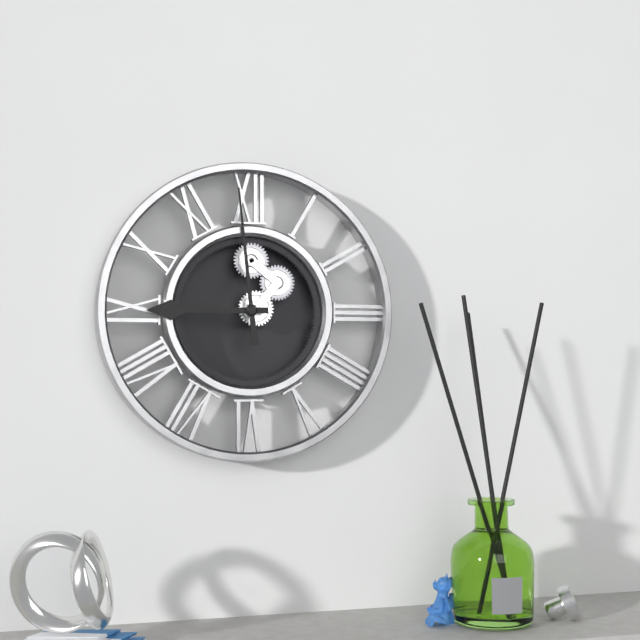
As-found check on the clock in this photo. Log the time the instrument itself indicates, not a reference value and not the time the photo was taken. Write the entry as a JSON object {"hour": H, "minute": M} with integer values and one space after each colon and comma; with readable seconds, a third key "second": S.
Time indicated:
{"hour": 8, "minute": 59}
